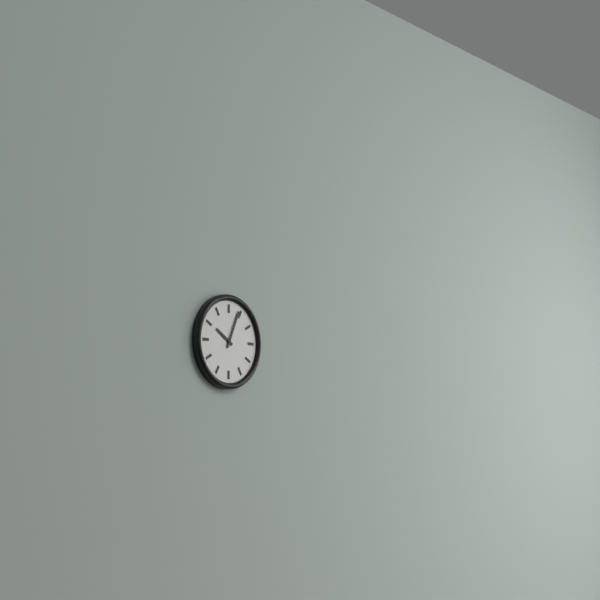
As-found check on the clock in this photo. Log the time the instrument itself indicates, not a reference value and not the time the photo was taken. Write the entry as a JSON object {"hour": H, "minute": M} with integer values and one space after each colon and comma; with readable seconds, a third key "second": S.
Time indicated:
{"hour": 10, "minute": 4}
